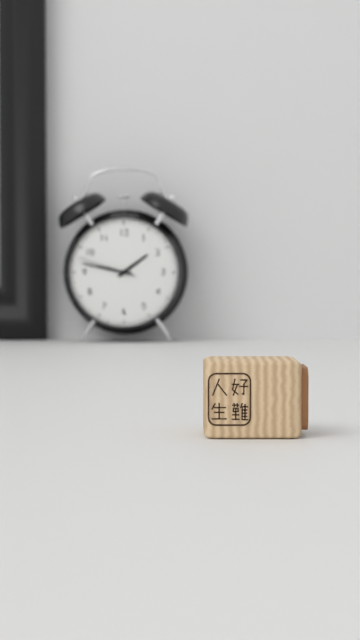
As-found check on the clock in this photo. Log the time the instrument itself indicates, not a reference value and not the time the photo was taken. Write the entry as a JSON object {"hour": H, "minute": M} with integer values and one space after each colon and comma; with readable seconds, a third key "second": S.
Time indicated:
{"hour": 1, "minute": 47, "second": 48}
